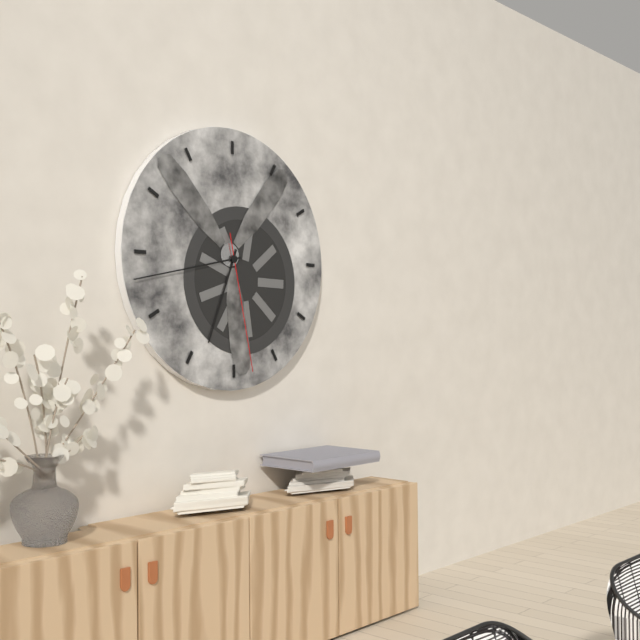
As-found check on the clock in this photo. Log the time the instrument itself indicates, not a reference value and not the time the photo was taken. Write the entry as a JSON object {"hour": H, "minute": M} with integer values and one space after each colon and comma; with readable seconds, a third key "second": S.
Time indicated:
{"hour": 6, "minute": 43, "second": 28}
